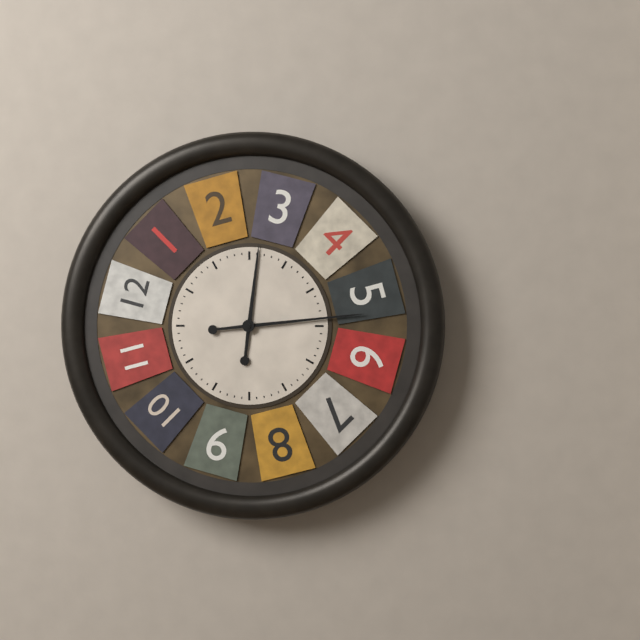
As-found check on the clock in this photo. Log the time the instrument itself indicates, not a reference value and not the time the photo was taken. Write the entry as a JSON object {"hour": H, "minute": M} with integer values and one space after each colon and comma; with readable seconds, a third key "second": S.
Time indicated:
{"hour": 12, "minute": 14}
